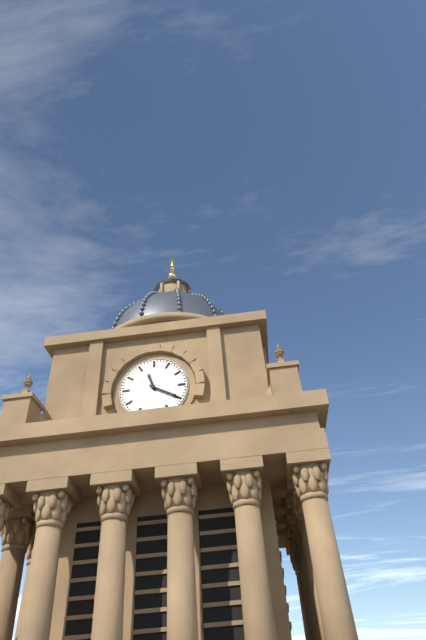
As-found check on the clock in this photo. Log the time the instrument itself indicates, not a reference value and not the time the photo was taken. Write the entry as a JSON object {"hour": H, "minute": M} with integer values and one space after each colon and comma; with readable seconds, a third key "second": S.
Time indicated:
{"hour": 11, "minute": 20}
